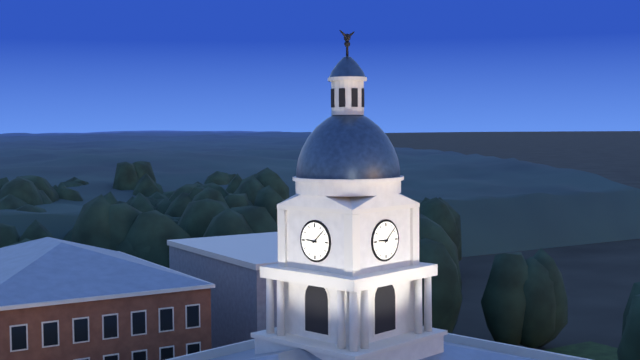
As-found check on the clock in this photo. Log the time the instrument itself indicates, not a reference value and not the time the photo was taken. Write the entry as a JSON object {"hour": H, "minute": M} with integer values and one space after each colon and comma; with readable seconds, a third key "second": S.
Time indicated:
{"hour": 9, "minute": 8}
